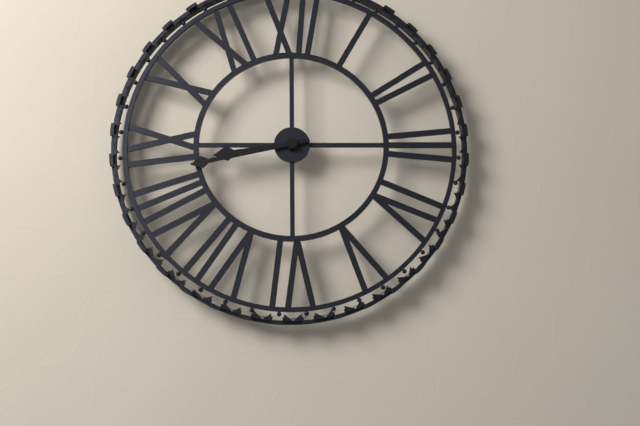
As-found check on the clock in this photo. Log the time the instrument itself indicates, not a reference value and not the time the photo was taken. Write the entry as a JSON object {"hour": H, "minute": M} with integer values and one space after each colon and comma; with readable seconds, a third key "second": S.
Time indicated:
{"hour": 8, "minute": 43}
